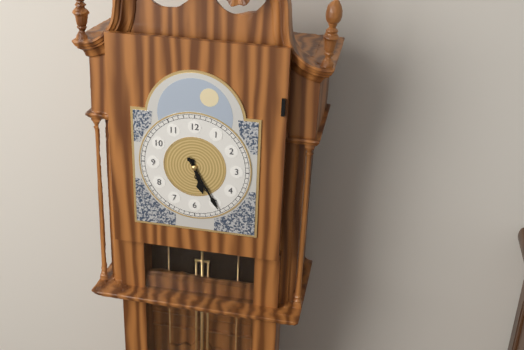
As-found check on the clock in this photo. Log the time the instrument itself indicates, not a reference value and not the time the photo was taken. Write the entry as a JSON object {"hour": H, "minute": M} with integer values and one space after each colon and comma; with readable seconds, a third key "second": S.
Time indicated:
{"hour": 5, "minute": 25}
